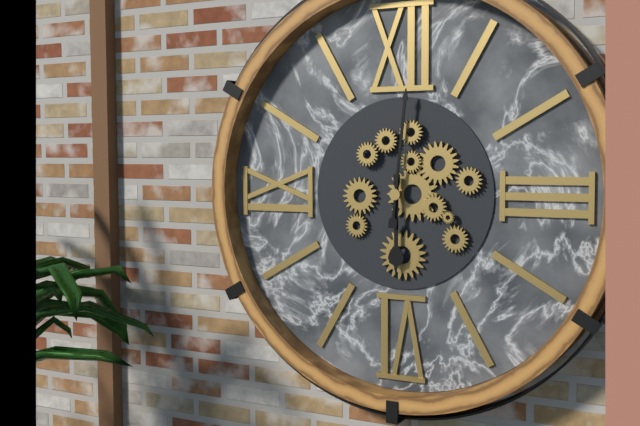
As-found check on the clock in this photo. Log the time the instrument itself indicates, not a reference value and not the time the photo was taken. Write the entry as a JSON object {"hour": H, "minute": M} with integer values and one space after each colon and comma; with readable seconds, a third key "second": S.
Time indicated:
{"hour": 6, "minute": 1}
